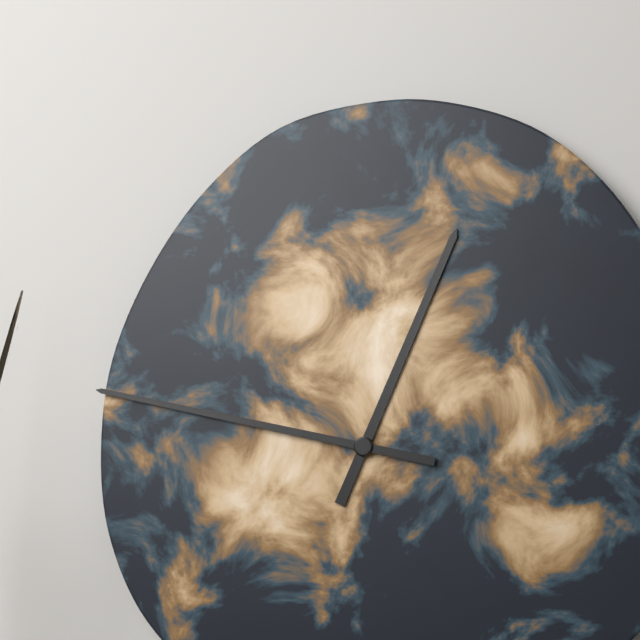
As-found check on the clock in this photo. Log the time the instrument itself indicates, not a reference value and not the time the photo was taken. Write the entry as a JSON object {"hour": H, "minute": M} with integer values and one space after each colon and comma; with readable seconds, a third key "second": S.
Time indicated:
{"hour": 12, "minute": 47}
